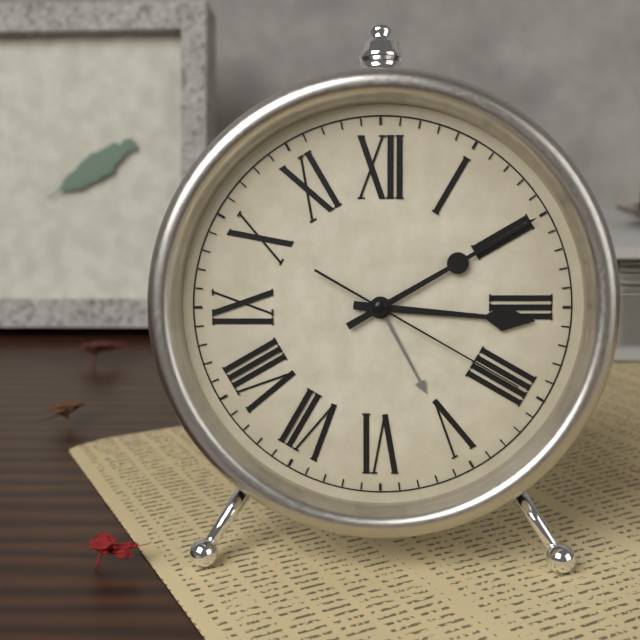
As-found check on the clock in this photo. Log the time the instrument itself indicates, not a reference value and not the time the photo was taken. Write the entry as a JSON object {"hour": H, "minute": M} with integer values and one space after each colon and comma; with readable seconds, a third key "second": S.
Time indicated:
{"hour": 3, "minute": 10, "second": 20}
